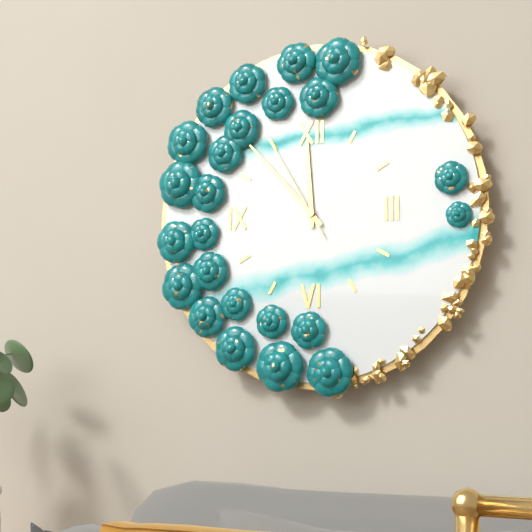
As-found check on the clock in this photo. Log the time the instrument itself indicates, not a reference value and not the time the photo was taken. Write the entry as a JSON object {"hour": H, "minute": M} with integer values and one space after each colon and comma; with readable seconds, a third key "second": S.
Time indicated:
{"hour": 11, "minute": 53, "second": 55}
